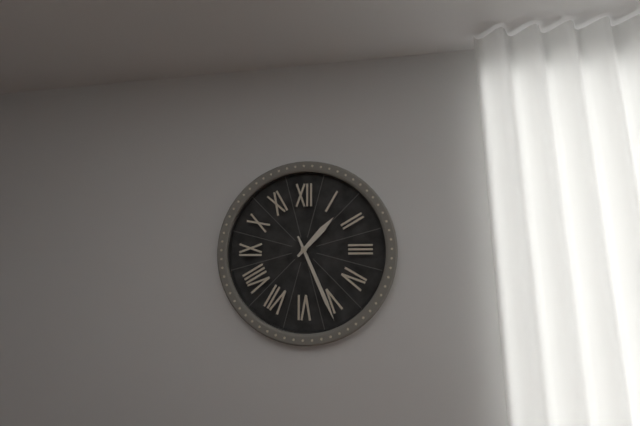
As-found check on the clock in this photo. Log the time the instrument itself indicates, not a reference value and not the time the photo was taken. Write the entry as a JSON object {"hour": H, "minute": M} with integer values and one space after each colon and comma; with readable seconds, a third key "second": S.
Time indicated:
{"hour": 1, "minute": 26}
